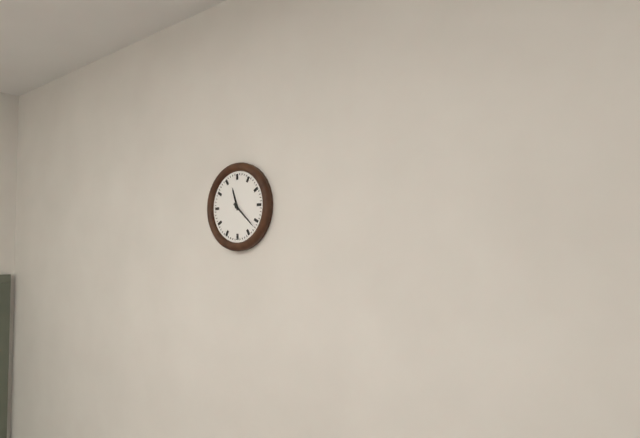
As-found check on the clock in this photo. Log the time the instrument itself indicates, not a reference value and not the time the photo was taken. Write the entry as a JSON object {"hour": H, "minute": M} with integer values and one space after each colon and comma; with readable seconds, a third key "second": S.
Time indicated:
{"hour": 11, "minute": 22}
